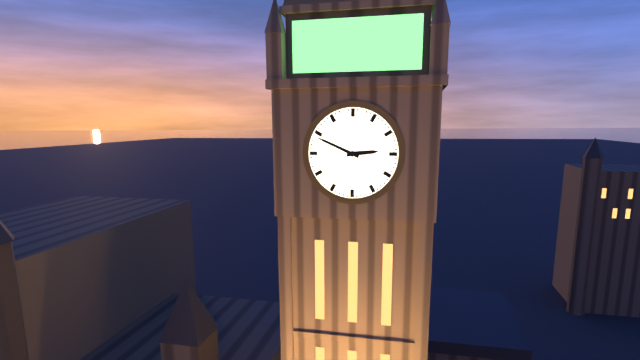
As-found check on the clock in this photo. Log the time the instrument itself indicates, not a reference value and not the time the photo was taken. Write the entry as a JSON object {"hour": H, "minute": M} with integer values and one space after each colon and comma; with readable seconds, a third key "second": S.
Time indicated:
{"hour": 2, "minute": 49}
